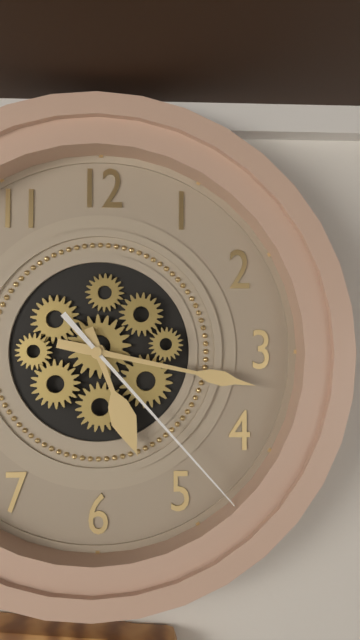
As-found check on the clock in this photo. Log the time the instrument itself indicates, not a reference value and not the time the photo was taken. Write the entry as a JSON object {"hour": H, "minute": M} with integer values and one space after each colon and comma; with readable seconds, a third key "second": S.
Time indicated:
{"hour": 5, "minute": 17, "second": 23}
